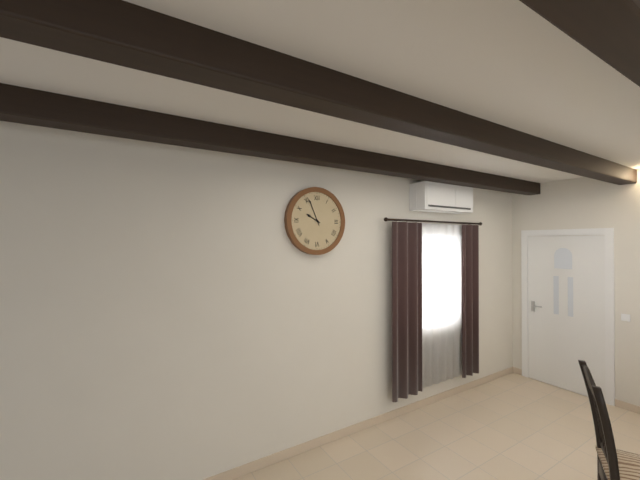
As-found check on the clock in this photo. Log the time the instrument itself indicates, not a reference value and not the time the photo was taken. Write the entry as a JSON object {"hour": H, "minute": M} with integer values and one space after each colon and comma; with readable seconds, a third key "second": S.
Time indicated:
{"hour": 9, "minute": 56}
